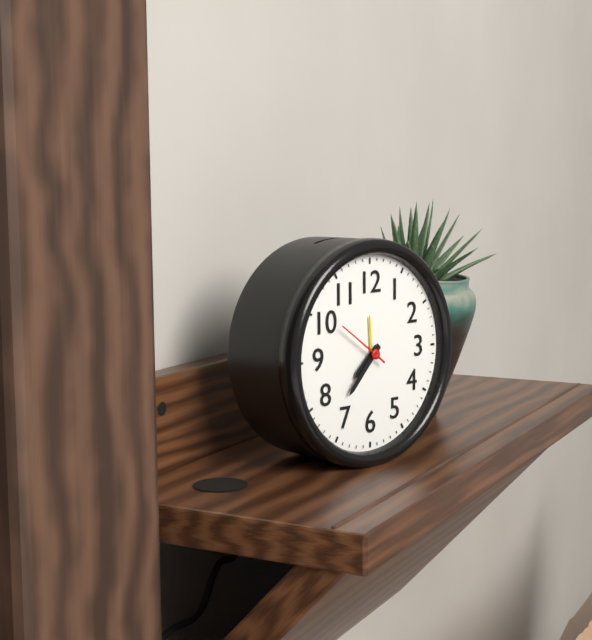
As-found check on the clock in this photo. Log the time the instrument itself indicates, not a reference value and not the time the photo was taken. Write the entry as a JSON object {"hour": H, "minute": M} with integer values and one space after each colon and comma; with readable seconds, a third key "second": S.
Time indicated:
{"hour": 7, "minute": 37, "second": 51}
